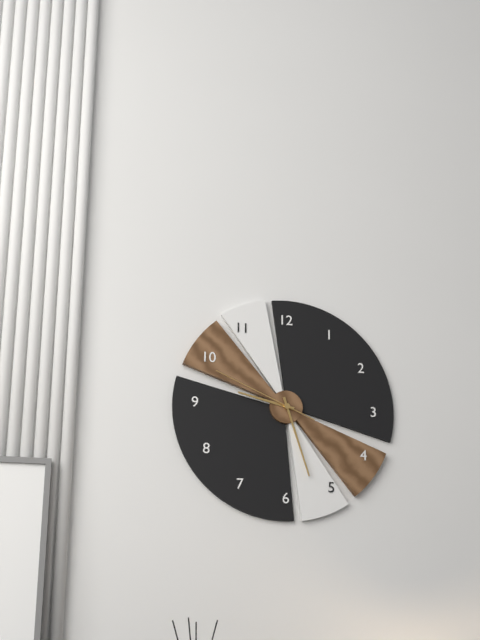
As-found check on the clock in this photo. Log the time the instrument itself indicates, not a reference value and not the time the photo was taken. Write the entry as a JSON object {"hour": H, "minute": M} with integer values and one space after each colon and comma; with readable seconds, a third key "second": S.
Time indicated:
{"hour": 9, "minute": 27, "second": 49}
